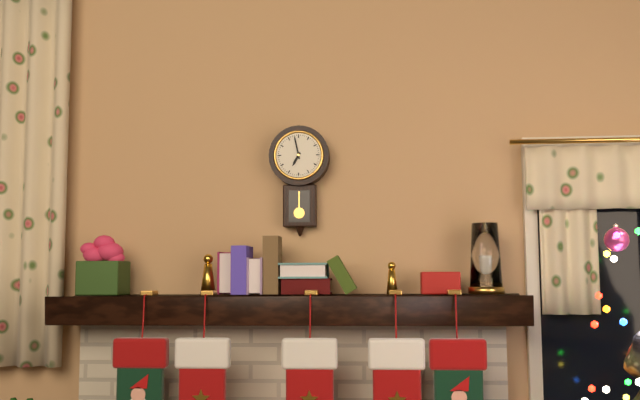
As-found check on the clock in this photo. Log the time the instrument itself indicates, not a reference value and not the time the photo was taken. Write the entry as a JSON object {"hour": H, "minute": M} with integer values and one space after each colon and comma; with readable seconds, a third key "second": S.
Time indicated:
{"hour": 6, "minute": 58}
